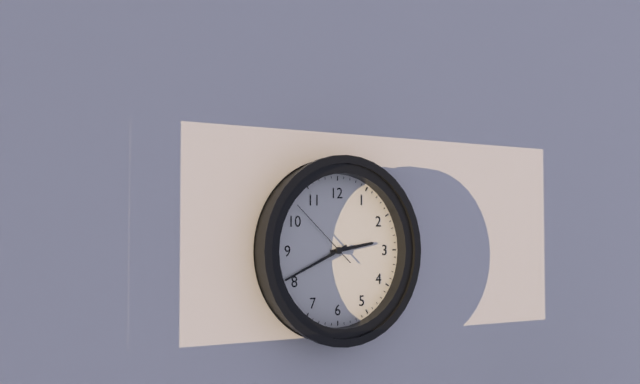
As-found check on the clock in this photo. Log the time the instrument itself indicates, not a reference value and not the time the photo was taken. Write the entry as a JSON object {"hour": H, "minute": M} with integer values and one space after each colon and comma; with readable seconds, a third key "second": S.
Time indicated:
{"hour": 2, "minute": 41, "second": 52}
